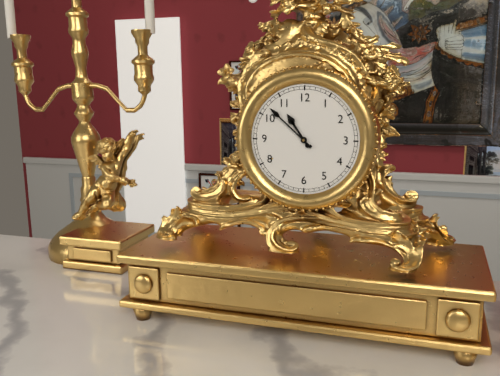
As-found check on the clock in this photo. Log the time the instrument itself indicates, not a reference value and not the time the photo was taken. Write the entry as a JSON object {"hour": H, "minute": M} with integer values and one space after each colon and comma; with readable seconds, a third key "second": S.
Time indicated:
{"hour": 10, "minute": 52}
